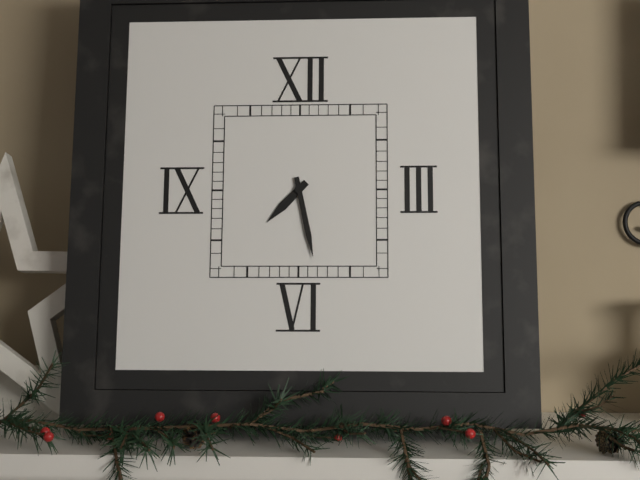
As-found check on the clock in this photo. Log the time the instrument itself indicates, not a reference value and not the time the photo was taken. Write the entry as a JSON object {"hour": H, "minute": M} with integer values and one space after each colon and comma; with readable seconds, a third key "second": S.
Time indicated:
{"hour": 7, "minute": 28}
